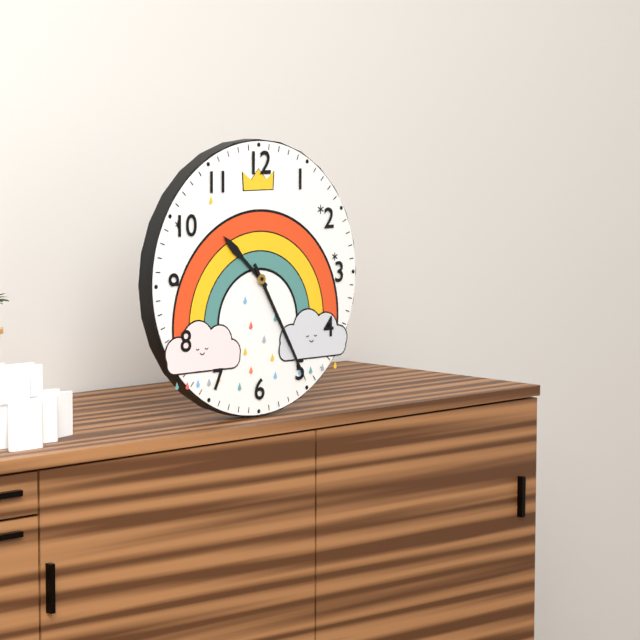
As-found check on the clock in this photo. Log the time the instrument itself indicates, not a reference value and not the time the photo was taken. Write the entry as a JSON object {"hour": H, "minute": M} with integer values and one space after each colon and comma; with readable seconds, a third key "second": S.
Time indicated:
{"hour": 10, "minute": 25}
